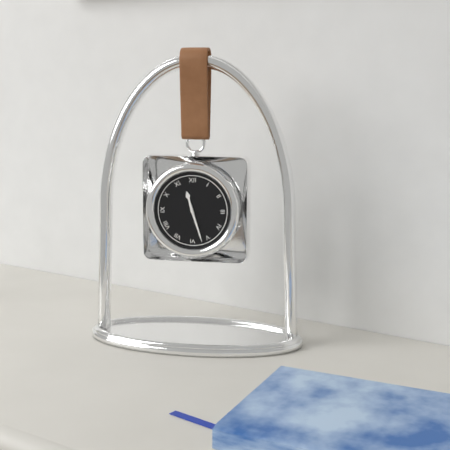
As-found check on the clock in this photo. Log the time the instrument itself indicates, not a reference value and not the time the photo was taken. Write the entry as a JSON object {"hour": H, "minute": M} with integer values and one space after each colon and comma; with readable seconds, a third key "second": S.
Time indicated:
{"hour": 11, "minute": 27}
